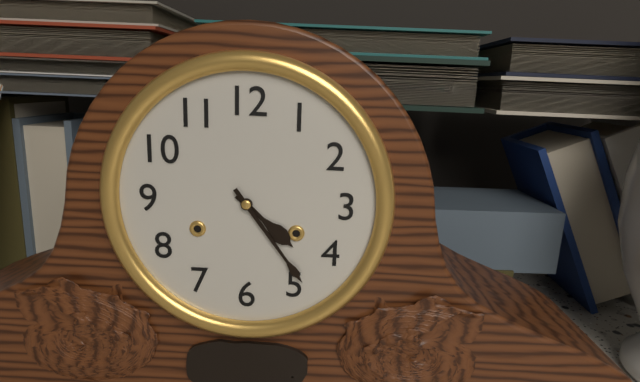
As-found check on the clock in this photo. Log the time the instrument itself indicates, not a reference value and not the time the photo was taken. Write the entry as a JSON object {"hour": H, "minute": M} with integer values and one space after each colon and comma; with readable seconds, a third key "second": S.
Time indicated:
{"hour": 4, "minute": 24}
